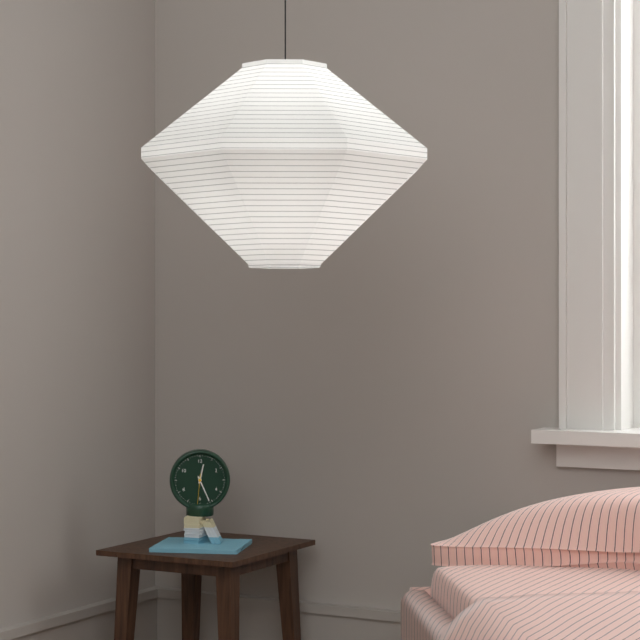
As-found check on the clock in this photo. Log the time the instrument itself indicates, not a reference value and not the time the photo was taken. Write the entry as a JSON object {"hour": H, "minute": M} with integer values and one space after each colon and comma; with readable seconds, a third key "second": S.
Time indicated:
{"hour": 12, "minute": 26}
